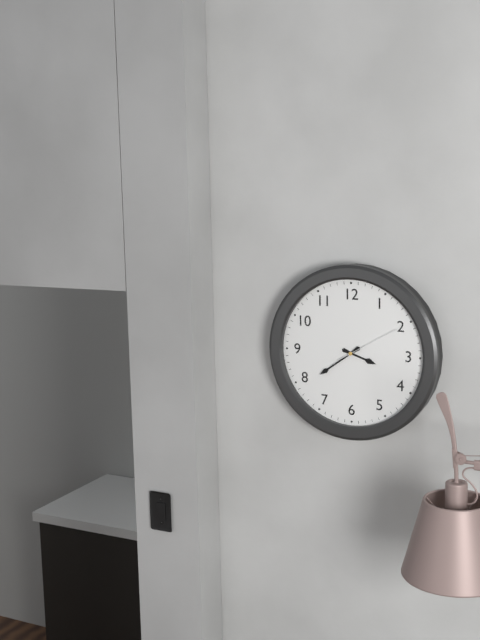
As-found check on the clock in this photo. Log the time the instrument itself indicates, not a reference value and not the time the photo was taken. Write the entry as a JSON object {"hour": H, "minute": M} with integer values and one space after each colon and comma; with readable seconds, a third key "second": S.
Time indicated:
{"hour": 3, "minute": 39, "second": 10}
